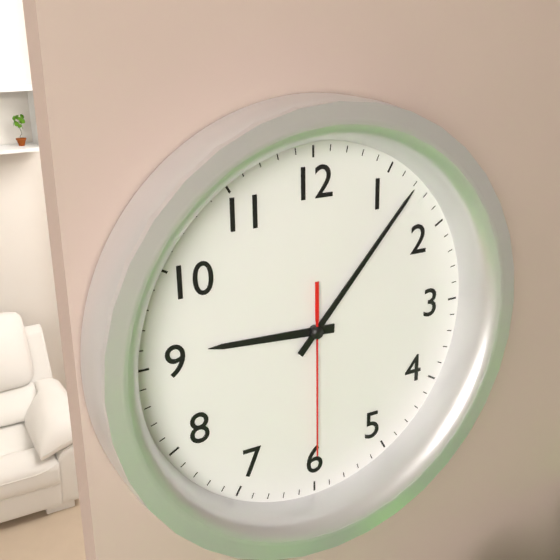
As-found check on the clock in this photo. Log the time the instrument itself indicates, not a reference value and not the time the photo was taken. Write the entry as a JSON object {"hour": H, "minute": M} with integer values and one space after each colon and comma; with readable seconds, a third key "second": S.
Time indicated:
{"hour": 9, "minute": 7, "second": 30}
